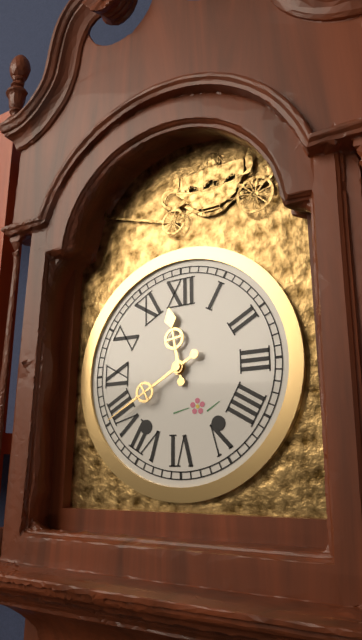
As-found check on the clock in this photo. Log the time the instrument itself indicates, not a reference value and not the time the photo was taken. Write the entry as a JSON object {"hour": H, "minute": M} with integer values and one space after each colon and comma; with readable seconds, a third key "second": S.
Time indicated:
{"hour": 11, "minute": 40}
